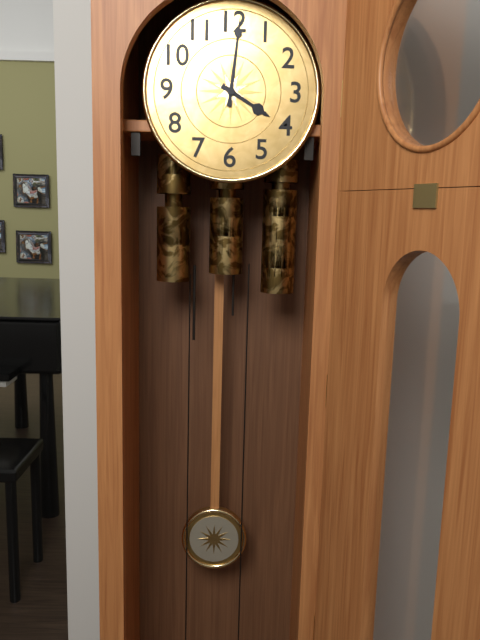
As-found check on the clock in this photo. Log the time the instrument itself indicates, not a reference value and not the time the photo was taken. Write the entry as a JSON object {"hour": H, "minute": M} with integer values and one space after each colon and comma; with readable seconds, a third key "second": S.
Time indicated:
{"hour": 4, "minute": 1}
